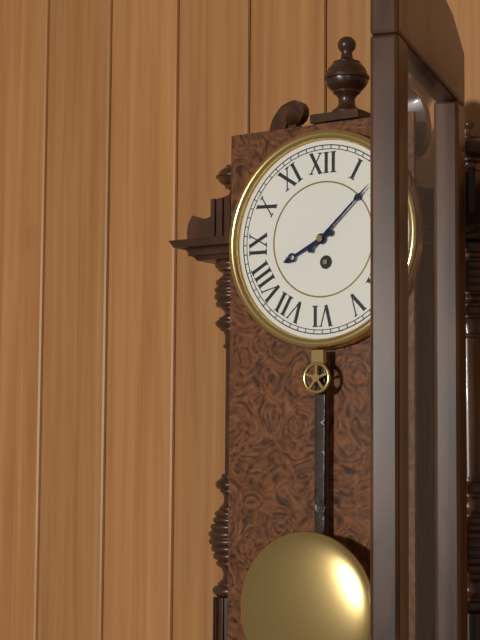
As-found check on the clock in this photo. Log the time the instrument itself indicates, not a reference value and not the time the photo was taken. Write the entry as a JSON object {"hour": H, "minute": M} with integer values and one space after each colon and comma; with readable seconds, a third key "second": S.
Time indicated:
{"hour": 8, "minute": 8}
